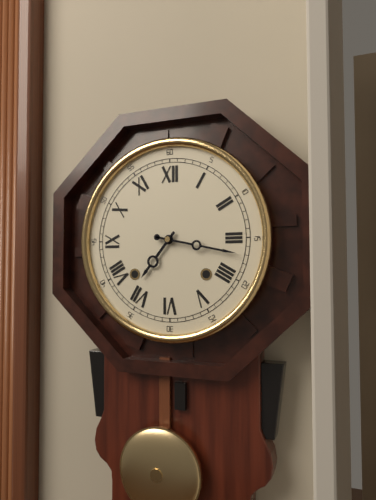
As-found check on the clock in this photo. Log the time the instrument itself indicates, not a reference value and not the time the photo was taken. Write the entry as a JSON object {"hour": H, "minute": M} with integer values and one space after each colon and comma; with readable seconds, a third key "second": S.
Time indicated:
{"hour": 7, "minute": 17}
